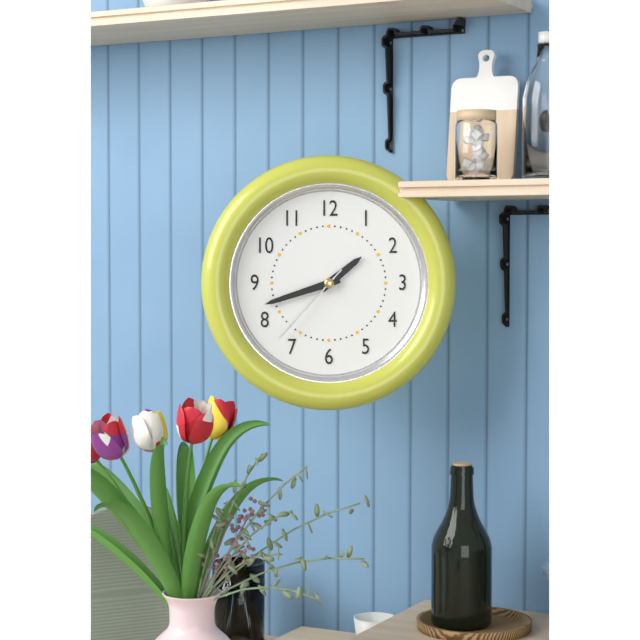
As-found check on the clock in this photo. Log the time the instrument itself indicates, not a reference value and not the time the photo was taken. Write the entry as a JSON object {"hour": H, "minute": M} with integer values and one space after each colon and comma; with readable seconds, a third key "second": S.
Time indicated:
{"hour": 1, "minute": 42, "second": 37}
